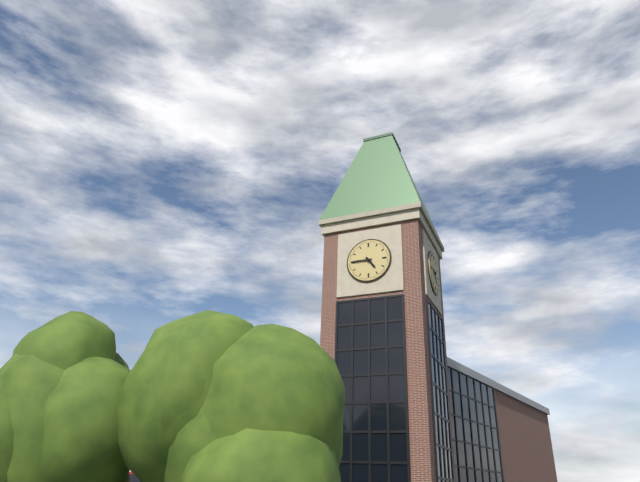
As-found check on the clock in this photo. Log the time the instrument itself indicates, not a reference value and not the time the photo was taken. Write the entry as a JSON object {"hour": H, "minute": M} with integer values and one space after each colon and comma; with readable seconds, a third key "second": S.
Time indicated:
{"hour": 4, "minute": 45}
